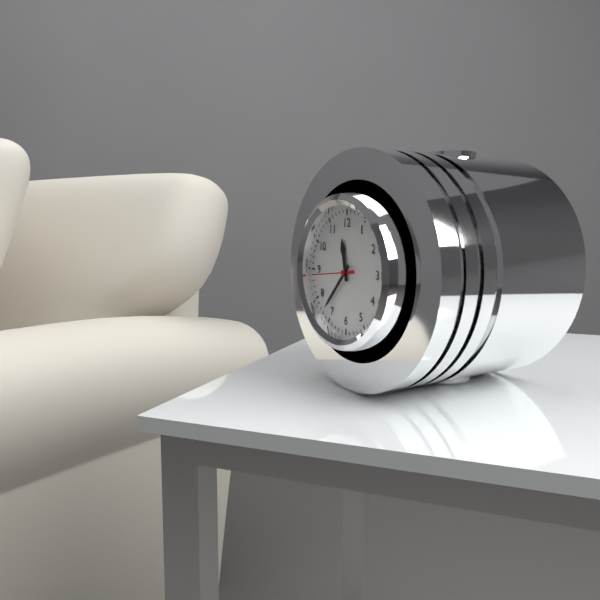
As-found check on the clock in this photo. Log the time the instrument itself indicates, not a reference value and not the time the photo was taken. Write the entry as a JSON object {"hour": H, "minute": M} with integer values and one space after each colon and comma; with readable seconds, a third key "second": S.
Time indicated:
{"hour": 11, "minute": 37}
